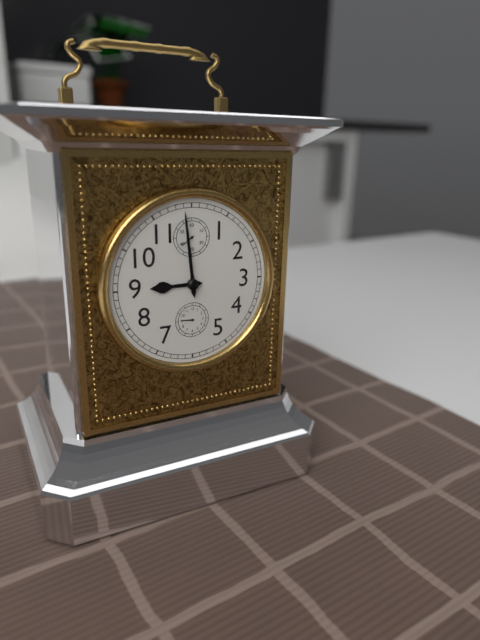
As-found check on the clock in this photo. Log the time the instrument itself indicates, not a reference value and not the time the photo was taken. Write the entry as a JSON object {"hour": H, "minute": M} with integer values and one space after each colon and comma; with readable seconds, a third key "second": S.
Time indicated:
{"hour": 8, "minute": 59}
